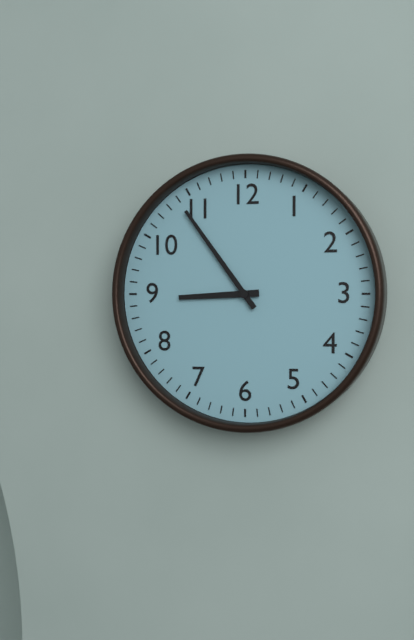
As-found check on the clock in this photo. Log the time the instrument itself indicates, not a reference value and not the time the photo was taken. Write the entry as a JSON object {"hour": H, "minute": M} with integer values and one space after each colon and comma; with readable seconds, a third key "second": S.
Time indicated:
{"hour": 8, "minute": 54}
